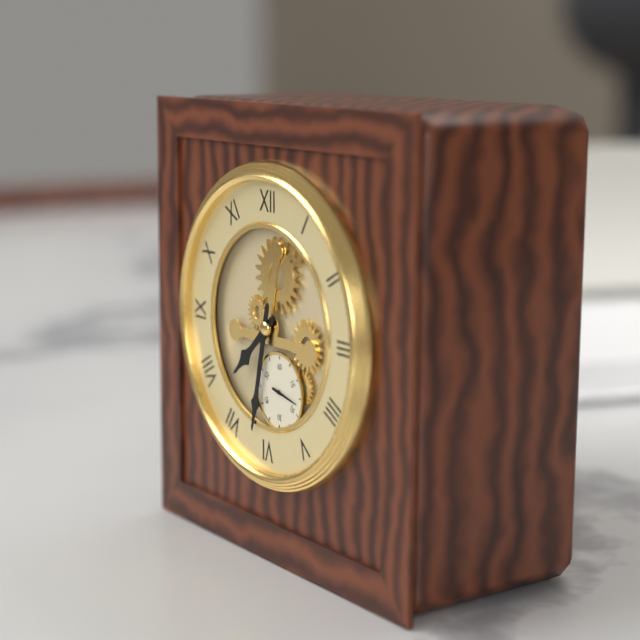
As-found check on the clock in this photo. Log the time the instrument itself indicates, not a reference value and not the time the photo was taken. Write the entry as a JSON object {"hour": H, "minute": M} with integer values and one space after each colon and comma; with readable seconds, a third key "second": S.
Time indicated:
{"hour": 7, "minute": 32}
